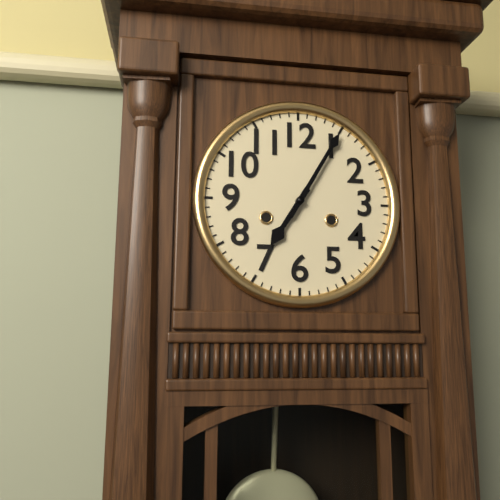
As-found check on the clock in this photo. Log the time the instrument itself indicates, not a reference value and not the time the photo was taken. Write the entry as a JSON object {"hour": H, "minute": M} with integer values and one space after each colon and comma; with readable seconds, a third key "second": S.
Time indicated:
{"hour": 7, "minute": 5}
